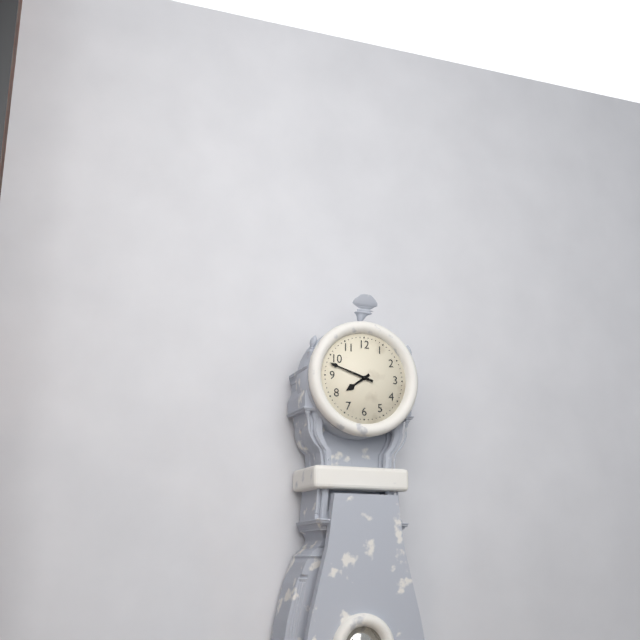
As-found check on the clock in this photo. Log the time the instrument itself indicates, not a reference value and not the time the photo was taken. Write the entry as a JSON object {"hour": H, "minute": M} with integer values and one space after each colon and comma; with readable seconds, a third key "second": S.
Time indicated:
{"hour": 7, "minute": 48}
